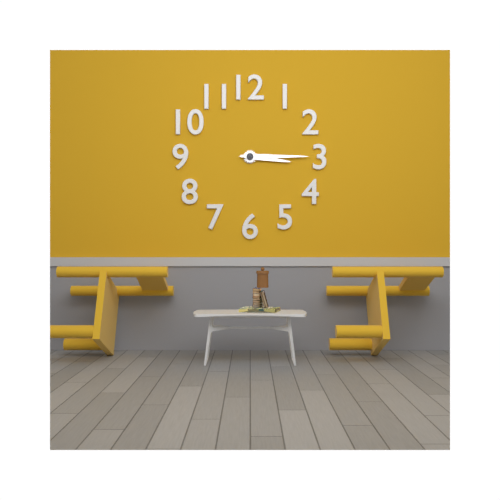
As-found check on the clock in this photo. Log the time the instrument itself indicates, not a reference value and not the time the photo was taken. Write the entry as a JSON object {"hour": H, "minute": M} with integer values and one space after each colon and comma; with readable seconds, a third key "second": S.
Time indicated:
{"hour": 3, "minute": 15}
